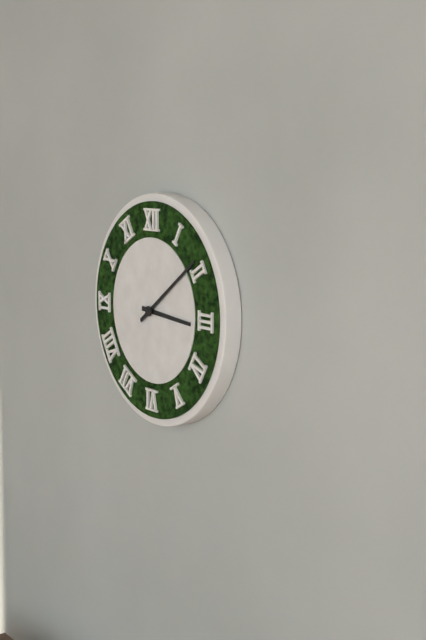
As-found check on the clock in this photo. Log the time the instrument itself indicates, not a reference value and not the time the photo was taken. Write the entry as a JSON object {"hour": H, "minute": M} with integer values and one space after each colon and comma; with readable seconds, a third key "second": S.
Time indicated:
{"hour": 3, "minute": 9}
